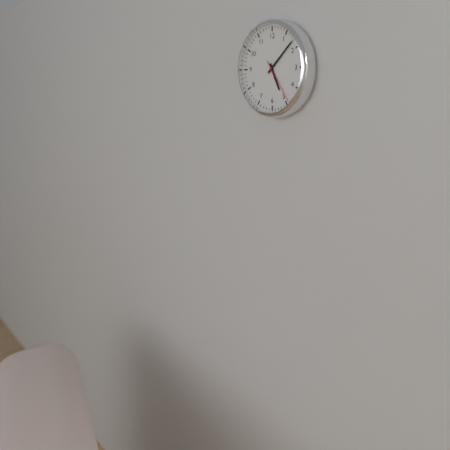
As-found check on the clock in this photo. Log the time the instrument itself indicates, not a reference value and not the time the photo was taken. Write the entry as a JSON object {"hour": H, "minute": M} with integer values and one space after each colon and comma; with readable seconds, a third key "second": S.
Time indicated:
{"hour": 5, "minute": 8}
